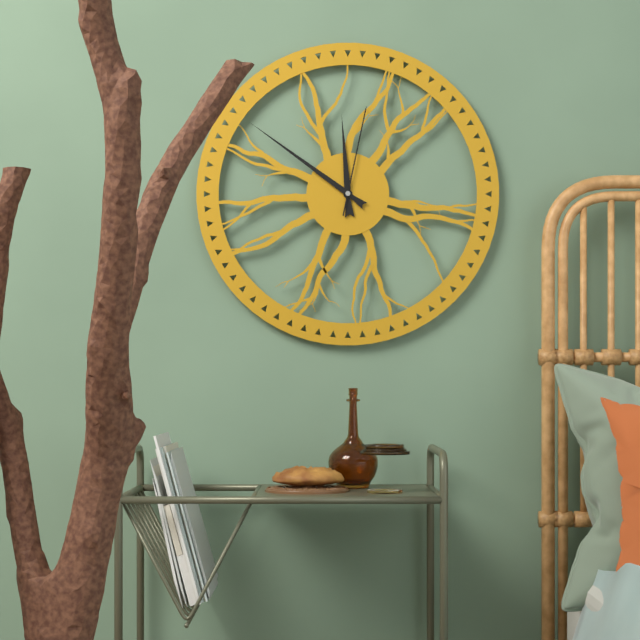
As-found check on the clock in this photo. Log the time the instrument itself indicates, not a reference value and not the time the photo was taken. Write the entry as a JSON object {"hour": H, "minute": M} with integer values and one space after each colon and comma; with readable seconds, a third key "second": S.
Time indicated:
{"hour": 11, "minute": 51, "second": 2}
